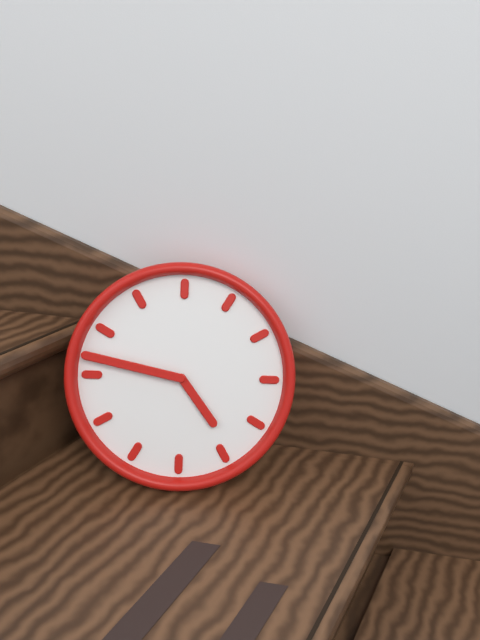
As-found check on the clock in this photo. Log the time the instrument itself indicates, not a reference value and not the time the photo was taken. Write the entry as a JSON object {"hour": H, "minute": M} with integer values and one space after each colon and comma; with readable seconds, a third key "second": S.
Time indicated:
{"hour": 4, "minute": 47}
